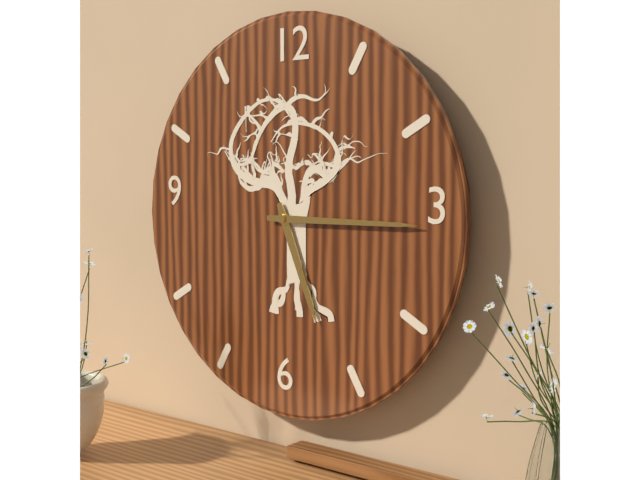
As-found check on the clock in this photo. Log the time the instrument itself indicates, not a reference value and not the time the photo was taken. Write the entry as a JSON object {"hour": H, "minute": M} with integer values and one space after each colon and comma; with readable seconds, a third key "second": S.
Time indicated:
{"hour": 5, "minute": 15}
